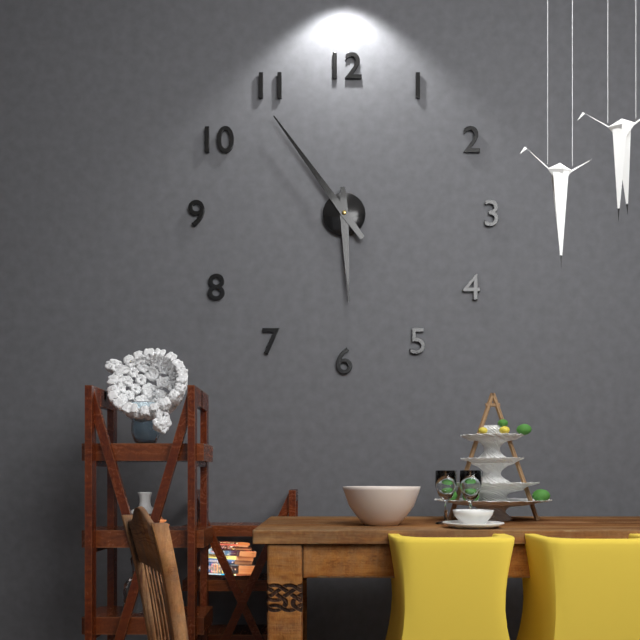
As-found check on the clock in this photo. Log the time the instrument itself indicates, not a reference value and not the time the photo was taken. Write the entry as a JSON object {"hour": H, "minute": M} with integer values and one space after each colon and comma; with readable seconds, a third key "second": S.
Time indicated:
{"hour": 5, "minute": 54}
